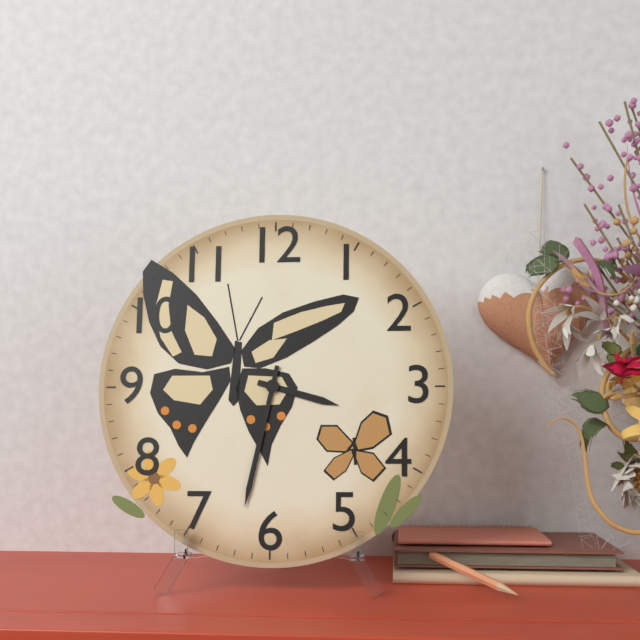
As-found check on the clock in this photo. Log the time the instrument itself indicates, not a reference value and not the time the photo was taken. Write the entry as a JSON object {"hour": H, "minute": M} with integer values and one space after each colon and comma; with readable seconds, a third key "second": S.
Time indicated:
{"hour": 3, "minute": 32}
